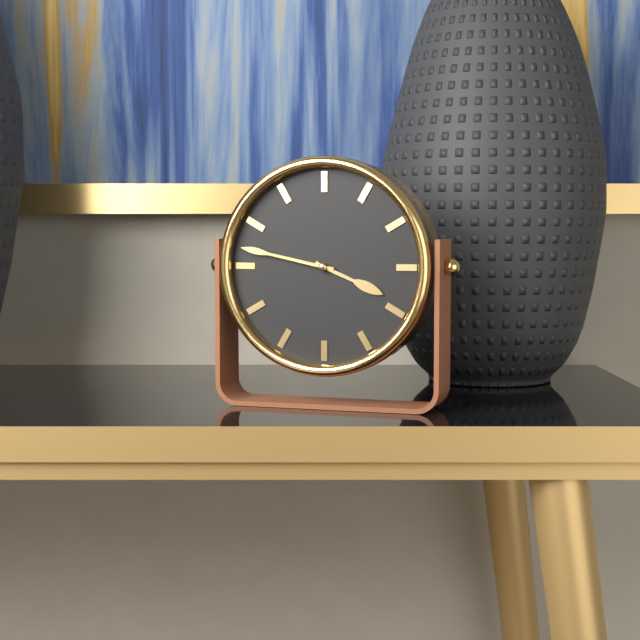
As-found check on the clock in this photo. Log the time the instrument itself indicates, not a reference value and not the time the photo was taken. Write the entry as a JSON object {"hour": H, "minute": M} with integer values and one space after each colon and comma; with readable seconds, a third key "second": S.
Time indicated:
{"hour": 3, "minute": 47}
